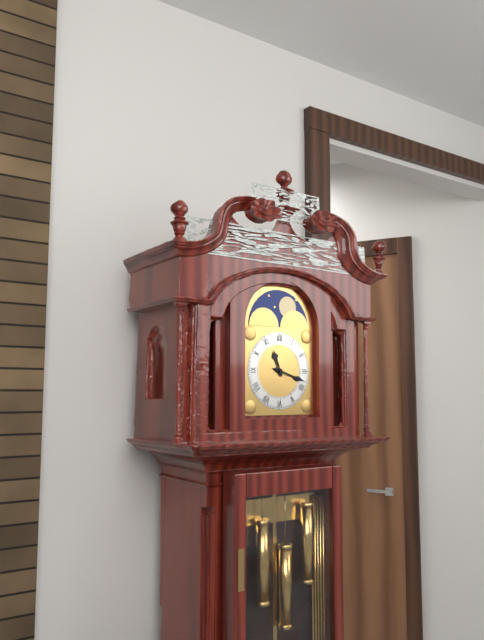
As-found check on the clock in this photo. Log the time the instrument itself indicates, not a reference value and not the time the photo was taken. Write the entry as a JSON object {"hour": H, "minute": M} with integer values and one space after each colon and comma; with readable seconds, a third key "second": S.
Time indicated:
{"hour": 11, "minute": 18}
